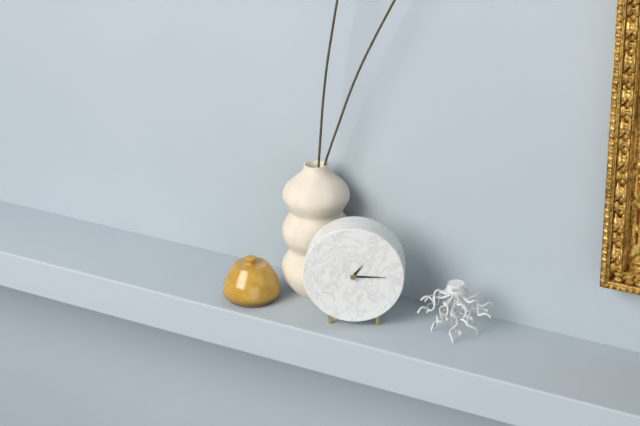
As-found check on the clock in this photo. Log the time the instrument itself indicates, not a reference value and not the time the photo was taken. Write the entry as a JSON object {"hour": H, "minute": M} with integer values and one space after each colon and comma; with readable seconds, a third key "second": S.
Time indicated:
{"hour": 1, "minute": 15}
